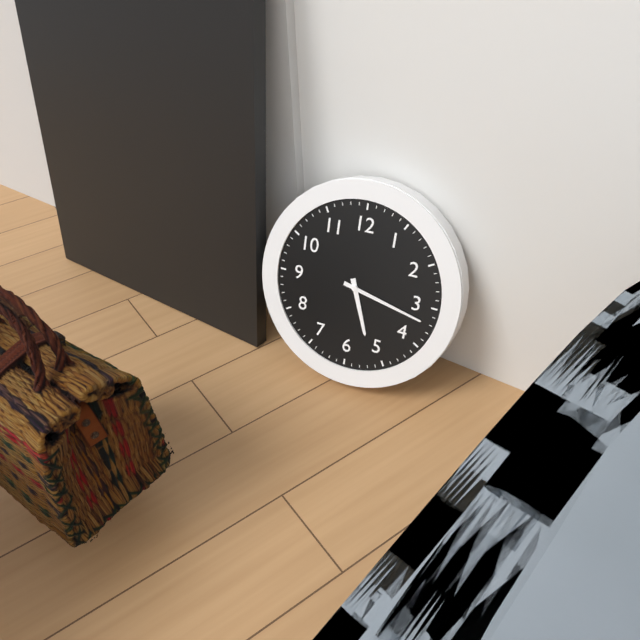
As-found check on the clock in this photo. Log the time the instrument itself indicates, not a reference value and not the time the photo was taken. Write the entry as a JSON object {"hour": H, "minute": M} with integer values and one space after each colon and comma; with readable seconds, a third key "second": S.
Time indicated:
{"hour": 5, "minute": 17}
